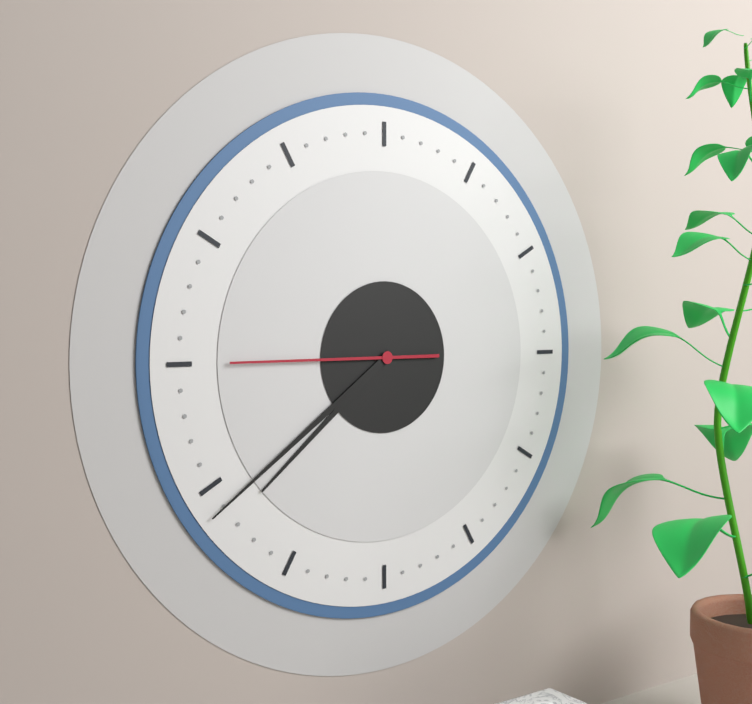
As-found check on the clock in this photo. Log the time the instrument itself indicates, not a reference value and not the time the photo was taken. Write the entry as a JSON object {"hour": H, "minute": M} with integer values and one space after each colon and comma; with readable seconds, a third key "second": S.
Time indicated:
{"hour": 7, "minute": 39, "second": 45}
